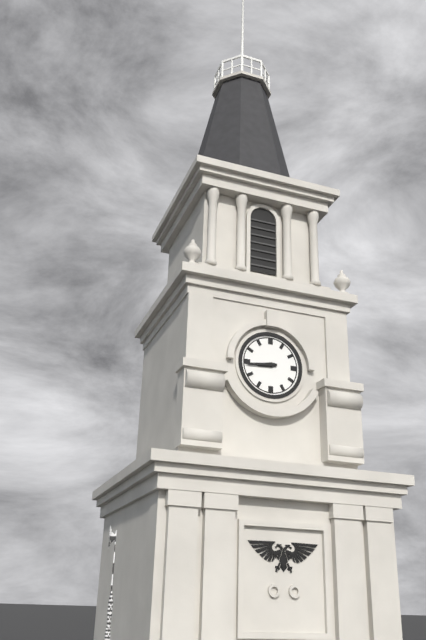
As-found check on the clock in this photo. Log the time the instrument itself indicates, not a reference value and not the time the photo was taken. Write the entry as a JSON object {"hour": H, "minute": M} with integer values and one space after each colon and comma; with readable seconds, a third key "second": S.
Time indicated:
{"hour": 8, "minute": 44}
